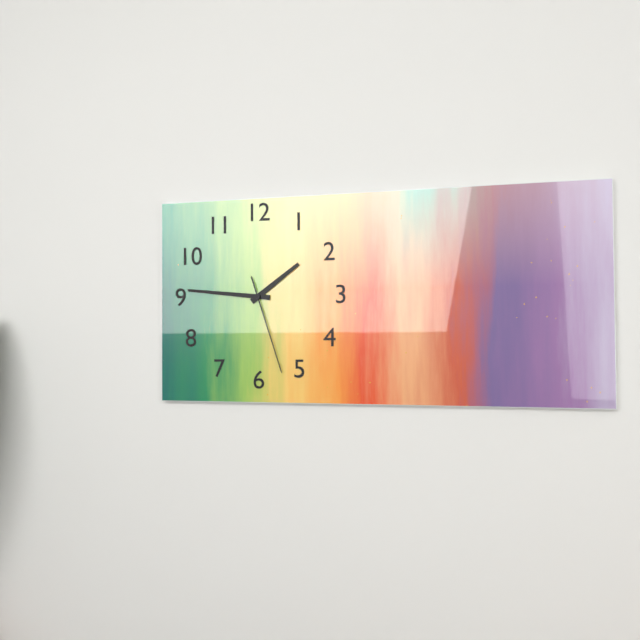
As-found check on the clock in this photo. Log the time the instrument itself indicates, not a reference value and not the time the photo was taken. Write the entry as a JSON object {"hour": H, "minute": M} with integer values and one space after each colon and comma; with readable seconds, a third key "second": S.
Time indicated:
{"hour": 1, "minute": 46, "second": 27}
